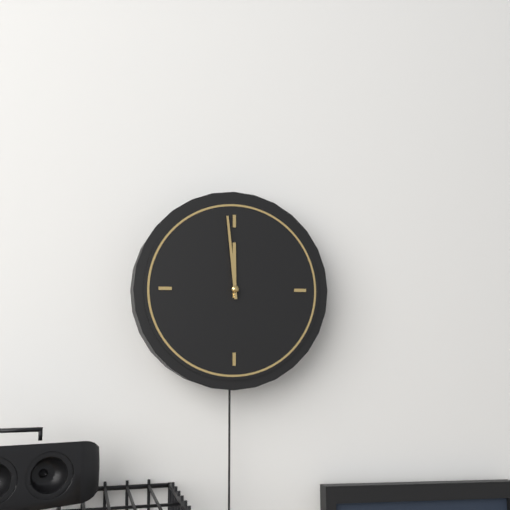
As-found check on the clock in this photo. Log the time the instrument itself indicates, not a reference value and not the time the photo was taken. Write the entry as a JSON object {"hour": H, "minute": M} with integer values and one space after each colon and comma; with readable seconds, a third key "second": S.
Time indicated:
{"hour": 11, "minute": 59}
